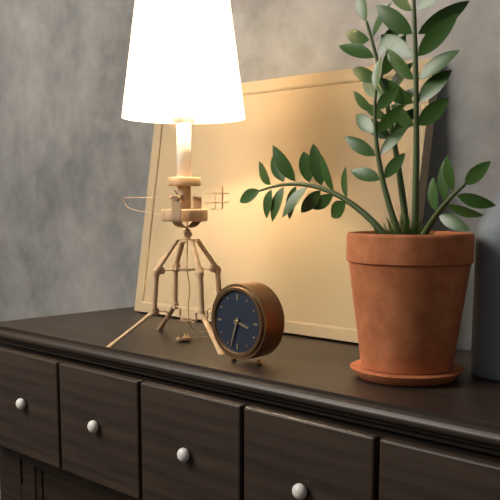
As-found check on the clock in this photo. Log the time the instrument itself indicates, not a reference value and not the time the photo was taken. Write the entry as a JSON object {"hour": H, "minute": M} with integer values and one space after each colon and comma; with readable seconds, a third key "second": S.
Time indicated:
{"hour": 3, "minute": 33}
